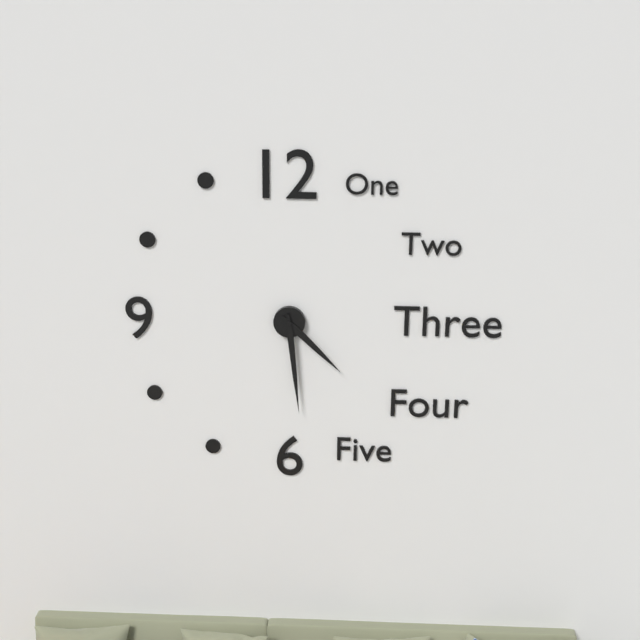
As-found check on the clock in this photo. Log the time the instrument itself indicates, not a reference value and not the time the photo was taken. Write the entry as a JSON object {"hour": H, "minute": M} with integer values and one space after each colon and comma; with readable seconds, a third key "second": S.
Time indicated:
{"hour": 4, "minute": 29}
